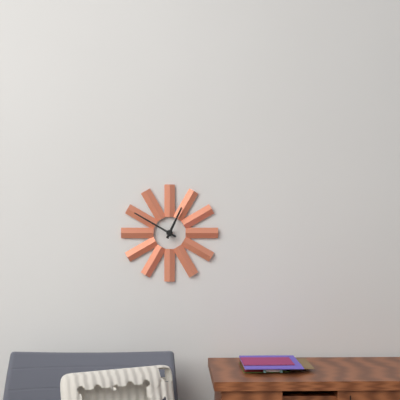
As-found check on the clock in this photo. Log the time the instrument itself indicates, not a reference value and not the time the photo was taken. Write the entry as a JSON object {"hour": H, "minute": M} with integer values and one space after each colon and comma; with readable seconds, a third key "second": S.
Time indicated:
{"hour": 12, "minute": 50}
